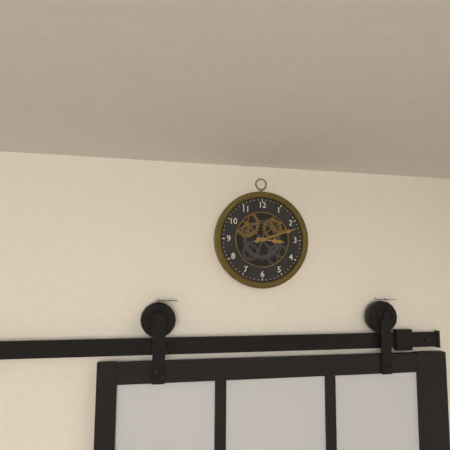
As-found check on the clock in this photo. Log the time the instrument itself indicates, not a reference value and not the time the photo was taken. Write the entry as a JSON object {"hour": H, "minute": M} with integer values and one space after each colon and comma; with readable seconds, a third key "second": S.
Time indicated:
{"hour": 3, "minute": 12}
